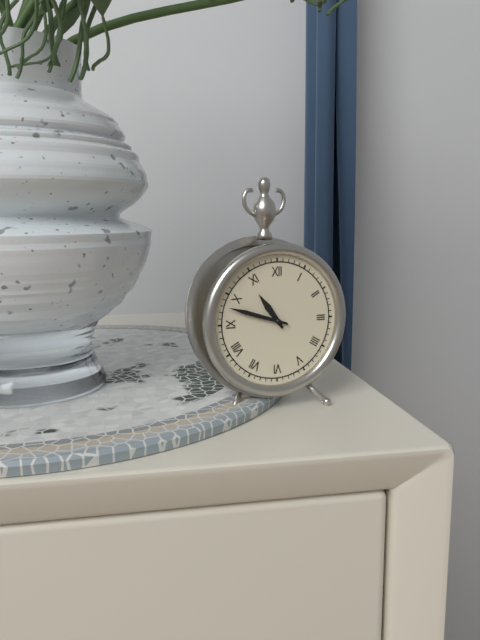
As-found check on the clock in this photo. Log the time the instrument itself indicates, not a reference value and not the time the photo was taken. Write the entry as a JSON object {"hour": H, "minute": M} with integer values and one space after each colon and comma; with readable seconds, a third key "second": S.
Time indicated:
{"hour": 10, "minute": 48}
